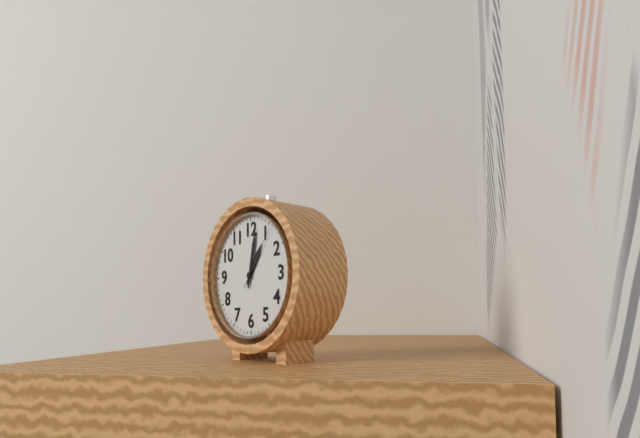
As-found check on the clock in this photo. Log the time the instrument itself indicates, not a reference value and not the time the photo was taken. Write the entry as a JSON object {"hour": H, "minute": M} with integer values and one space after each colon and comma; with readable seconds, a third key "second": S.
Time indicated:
{"hour": 1, "minute": 2, "second": 6}
